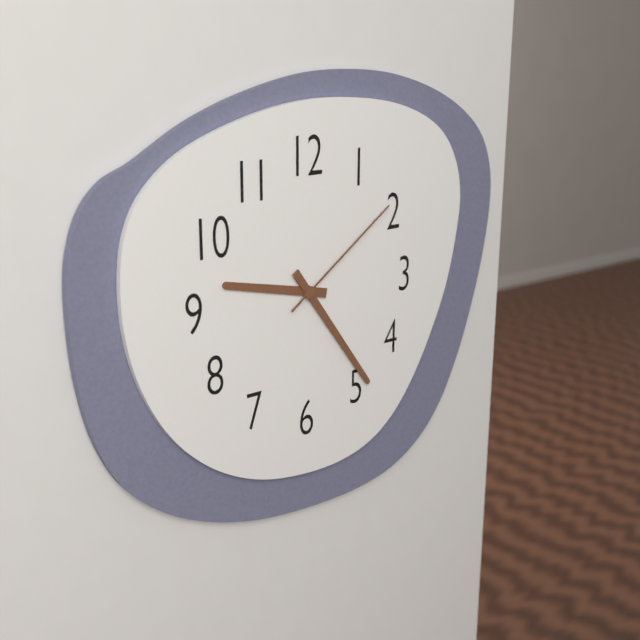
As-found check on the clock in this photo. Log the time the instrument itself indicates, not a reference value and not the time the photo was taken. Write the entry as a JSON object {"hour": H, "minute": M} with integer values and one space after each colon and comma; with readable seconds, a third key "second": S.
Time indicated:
{"hour": 9, "minute": 24, "second": 9}
